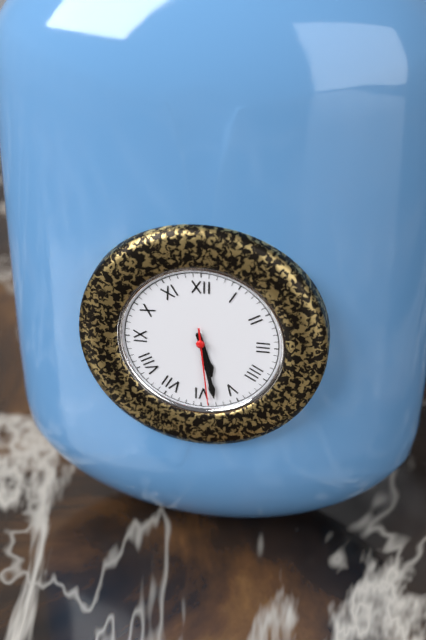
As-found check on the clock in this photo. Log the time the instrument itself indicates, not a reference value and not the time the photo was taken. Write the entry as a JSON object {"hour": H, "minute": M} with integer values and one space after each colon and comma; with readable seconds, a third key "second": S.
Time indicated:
{"hour": 5, "minute": 28, "second": 29}
